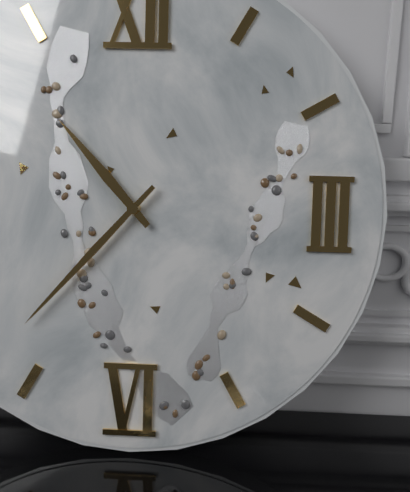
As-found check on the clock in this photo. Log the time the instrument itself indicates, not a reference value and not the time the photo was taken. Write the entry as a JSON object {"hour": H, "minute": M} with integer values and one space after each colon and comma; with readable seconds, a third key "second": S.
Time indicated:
{"hour": 10, "minute": 37}
